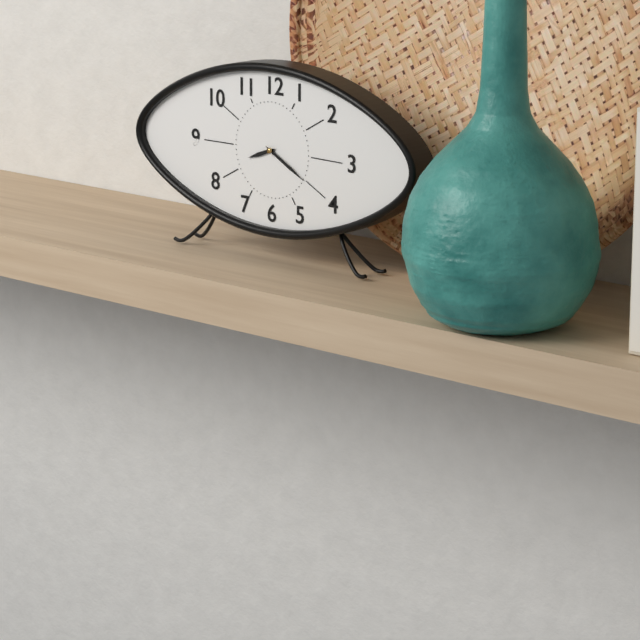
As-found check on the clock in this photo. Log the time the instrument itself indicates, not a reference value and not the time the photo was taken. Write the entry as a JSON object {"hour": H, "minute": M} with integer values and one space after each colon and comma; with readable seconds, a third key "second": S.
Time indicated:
{"hour": 8, "minute": 20}
